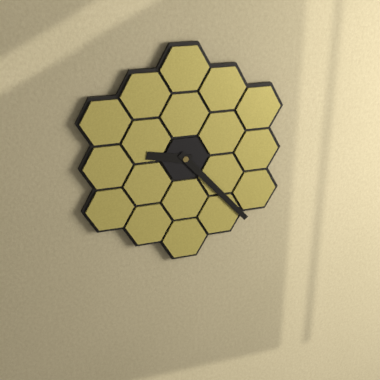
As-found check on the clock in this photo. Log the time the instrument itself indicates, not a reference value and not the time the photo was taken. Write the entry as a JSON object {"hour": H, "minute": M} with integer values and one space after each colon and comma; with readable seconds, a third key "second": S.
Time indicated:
{"hour": 9, "minute": 23}
